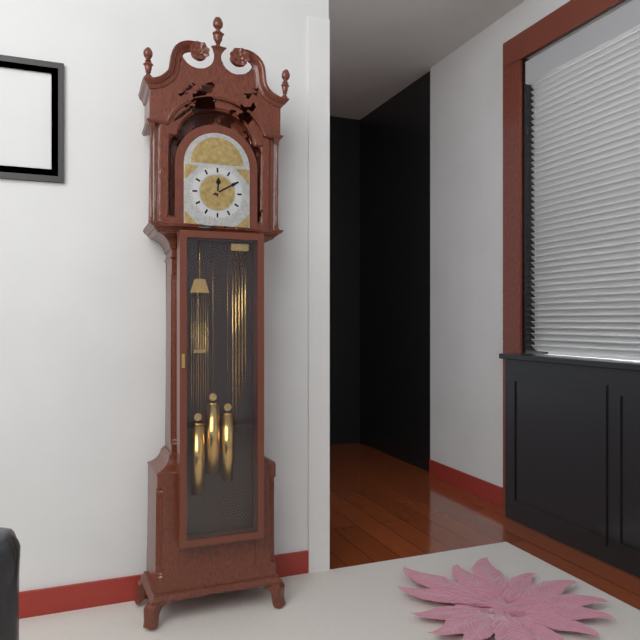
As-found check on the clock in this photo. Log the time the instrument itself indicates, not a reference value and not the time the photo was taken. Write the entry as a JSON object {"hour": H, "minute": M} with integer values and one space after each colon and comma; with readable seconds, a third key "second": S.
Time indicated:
{"hour": 12, "minute": 10}
